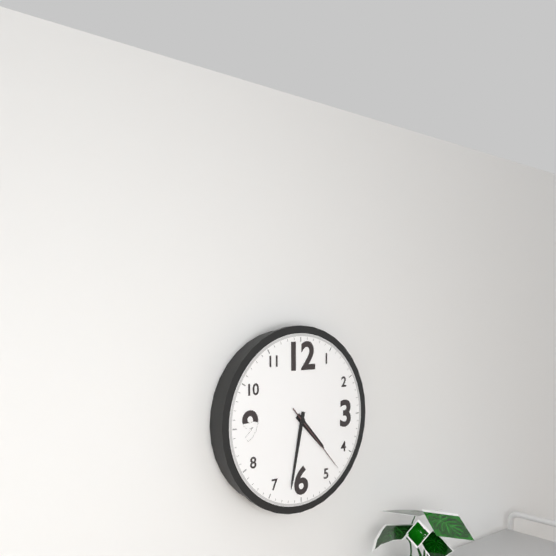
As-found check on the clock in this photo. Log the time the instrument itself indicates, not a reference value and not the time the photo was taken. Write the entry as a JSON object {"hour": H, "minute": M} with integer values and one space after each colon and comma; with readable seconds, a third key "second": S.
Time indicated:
{"hour": 4, "minute": 32, "second": 23}
